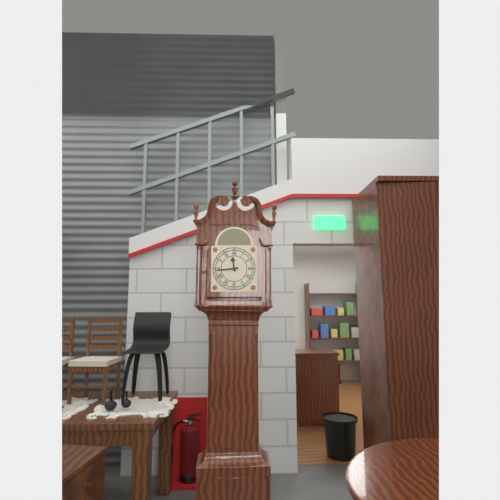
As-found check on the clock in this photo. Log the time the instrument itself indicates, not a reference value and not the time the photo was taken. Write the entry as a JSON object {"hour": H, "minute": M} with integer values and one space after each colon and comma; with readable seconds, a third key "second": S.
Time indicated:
{"hour": 11, "minute": 44}
